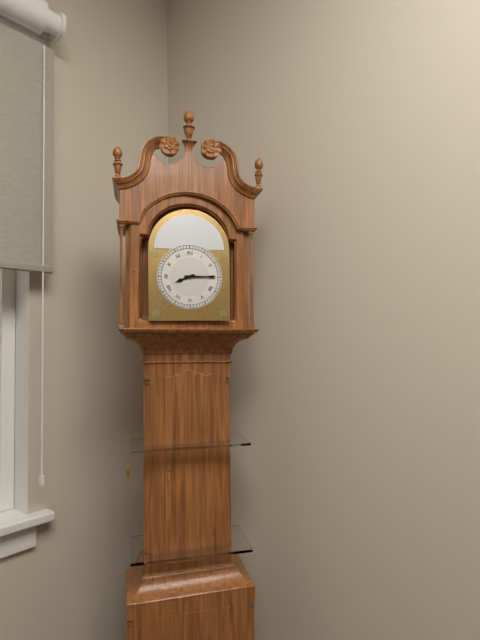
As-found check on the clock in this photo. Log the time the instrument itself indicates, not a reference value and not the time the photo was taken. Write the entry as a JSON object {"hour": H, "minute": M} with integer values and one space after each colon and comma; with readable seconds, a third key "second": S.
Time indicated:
{"hour": 8, "minute": 15}
